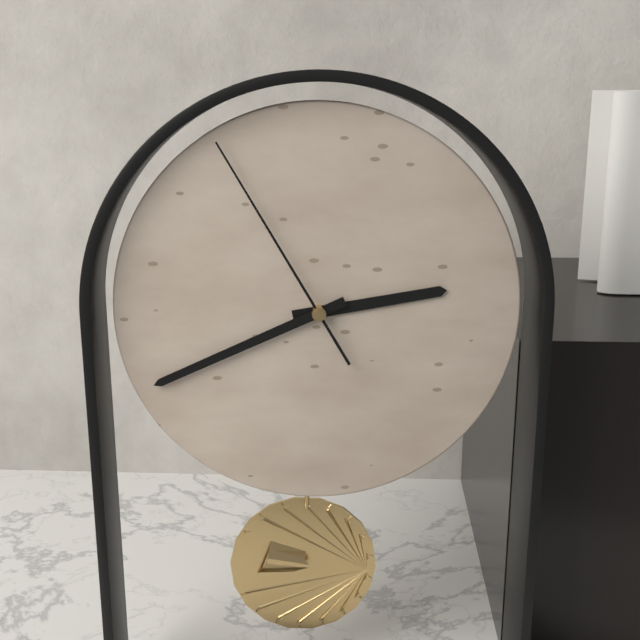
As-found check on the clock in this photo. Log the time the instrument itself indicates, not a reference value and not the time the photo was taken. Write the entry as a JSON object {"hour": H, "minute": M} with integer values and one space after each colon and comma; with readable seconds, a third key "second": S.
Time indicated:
{"hour": 2, "minute": 41, "second": 55}
